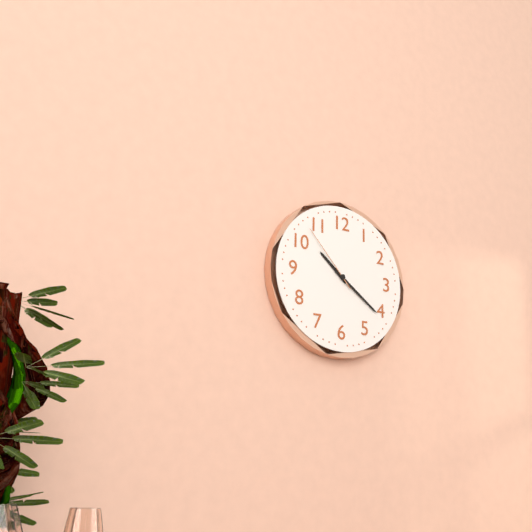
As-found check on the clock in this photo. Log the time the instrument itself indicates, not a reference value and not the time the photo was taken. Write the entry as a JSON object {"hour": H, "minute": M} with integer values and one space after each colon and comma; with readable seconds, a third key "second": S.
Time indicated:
{"hour": 10, "minute": 21, "second": 53}
